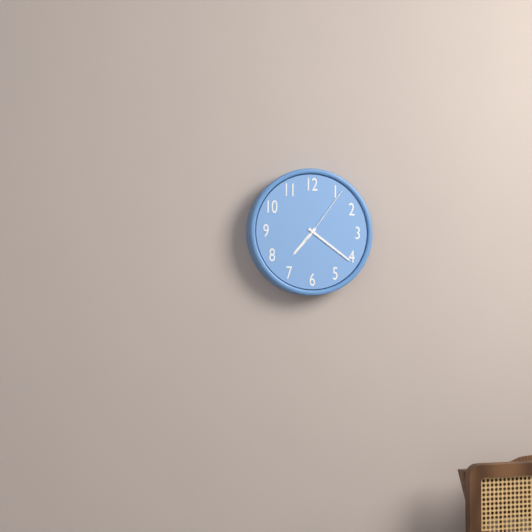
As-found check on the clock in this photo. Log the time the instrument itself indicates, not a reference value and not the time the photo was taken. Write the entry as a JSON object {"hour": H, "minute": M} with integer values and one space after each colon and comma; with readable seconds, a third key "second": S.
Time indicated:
{"hour": 7, "minute": 21, "second": 6}
